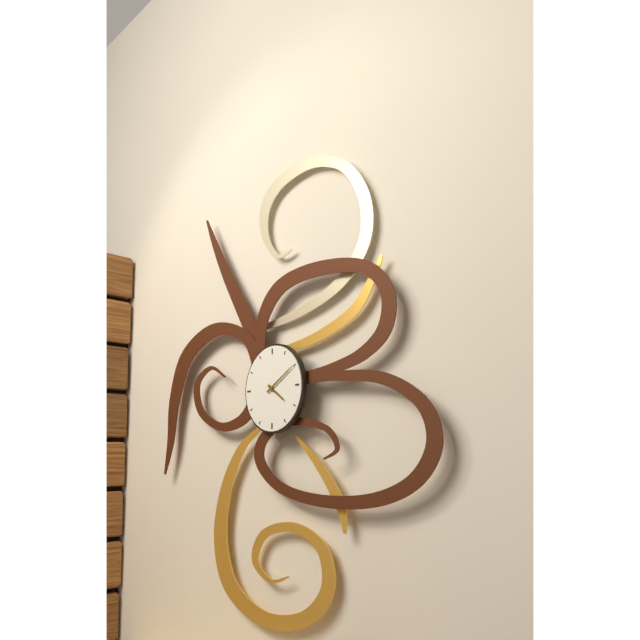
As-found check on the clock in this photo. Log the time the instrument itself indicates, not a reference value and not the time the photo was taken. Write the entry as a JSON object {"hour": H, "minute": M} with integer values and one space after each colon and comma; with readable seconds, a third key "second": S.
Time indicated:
{"hour": 4, "minute": 10}
